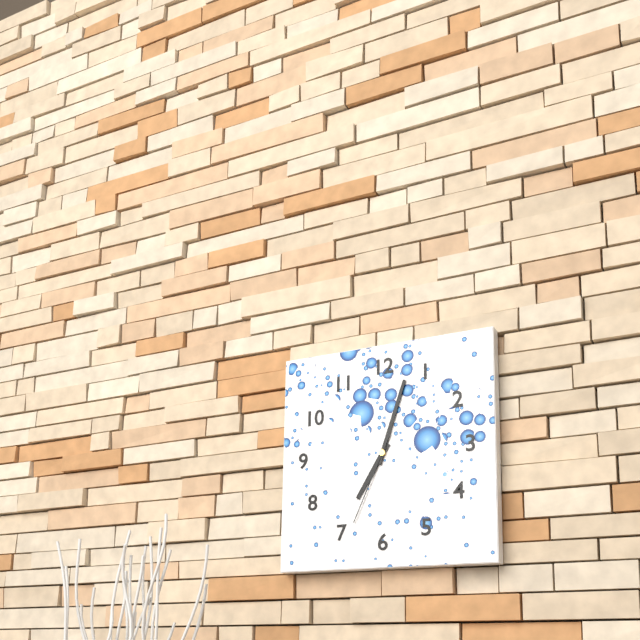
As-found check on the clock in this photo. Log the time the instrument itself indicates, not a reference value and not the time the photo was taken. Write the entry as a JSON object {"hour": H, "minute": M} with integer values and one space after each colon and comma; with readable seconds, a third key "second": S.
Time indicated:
{"hour": 7, "minute": 3, "second": 34}
